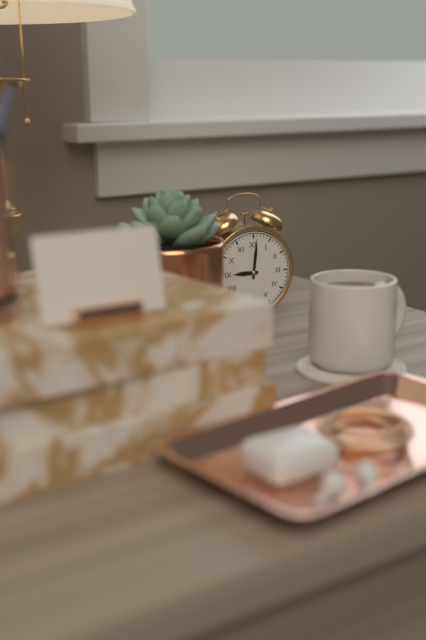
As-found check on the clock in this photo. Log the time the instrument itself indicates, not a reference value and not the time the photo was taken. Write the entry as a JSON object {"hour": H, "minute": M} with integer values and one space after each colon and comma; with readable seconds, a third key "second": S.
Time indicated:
{"hour": 9, "minute": 1}
